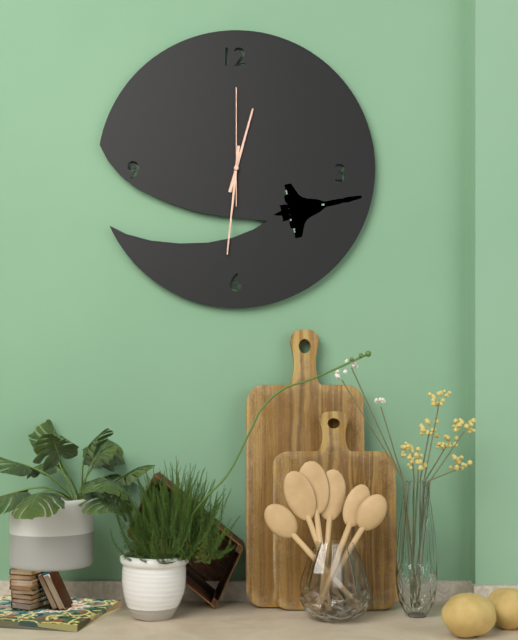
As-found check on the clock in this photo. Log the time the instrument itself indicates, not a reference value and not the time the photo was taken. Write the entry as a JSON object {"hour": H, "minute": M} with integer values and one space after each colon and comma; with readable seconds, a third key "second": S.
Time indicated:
{"hour": 12, "minute": 31, "second": 0}
